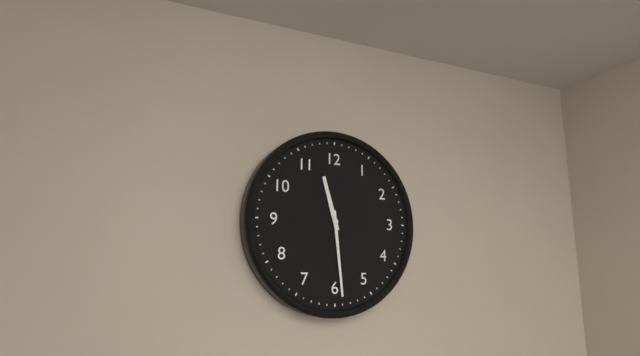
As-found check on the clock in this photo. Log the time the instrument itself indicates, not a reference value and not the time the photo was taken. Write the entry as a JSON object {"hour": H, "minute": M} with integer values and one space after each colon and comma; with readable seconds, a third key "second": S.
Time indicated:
{"hour": 11, "minute": 29}
